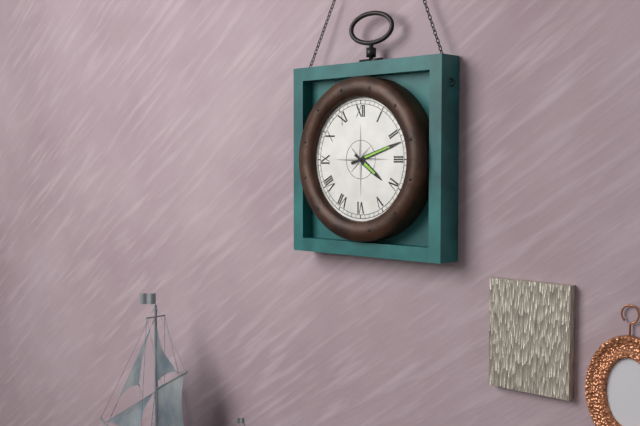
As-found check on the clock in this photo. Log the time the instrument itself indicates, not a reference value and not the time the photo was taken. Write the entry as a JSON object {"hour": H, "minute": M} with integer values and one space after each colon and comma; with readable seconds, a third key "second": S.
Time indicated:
{"hour": 4, "minute": 12}
